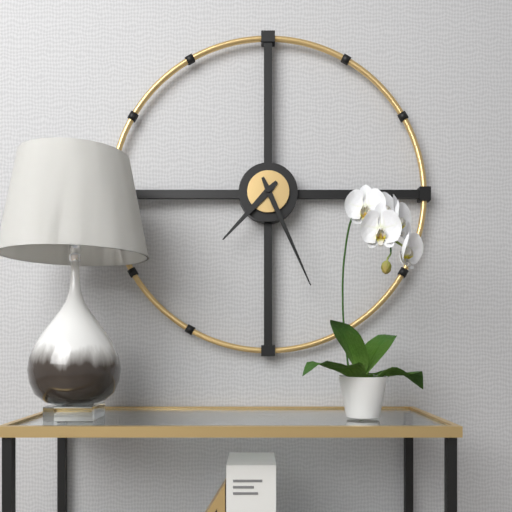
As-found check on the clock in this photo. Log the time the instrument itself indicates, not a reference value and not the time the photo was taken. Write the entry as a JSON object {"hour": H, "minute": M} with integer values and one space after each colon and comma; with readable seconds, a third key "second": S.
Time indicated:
{"hour": 7, "minute": 26}
